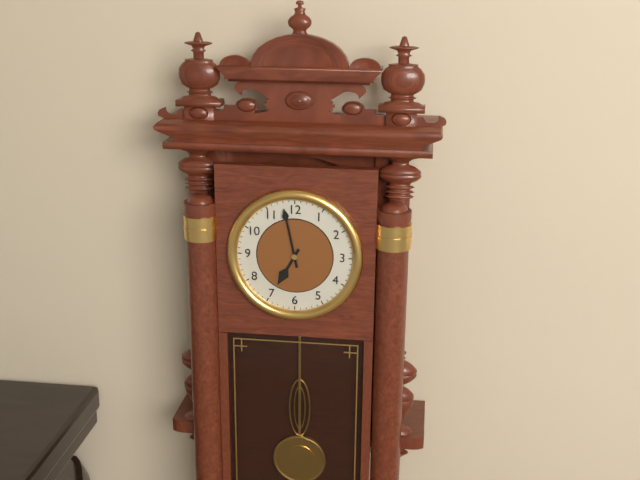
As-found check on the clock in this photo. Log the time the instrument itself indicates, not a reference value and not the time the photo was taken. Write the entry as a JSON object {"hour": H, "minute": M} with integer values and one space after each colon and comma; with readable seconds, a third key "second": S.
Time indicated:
{"hour": 6, "minute": 58}
